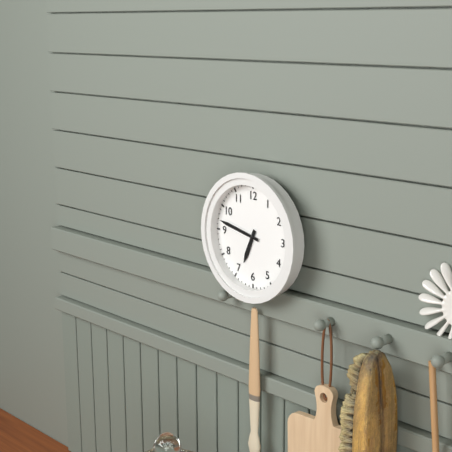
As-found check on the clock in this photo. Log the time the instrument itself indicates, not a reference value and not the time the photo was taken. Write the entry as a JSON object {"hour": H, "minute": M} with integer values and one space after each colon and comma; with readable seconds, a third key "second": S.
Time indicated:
{"hour": 6, "minute": 47}
